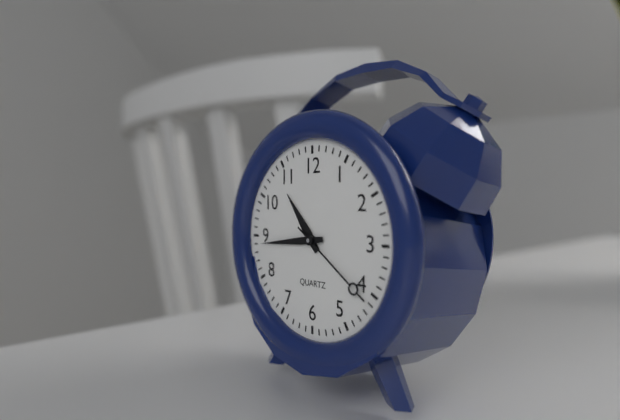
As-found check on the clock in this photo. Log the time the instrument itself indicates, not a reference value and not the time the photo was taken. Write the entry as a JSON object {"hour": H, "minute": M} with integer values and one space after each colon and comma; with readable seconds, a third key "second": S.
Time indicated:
{"hour": 10, "minute": 44, "second": 21}
